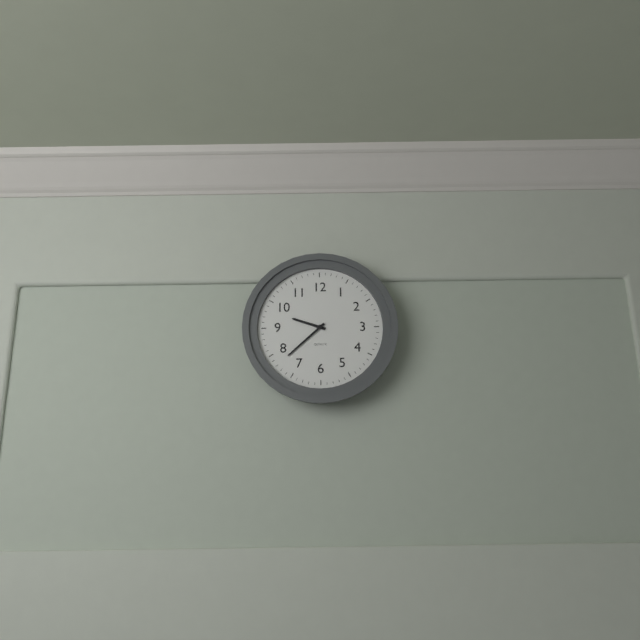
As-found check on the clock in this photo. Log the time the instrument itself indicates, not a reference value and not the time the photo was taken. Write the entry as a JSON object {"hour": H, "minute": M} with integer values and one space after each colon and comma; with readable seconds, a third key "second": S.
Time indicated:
{"hour": 9, "minute": 38}
